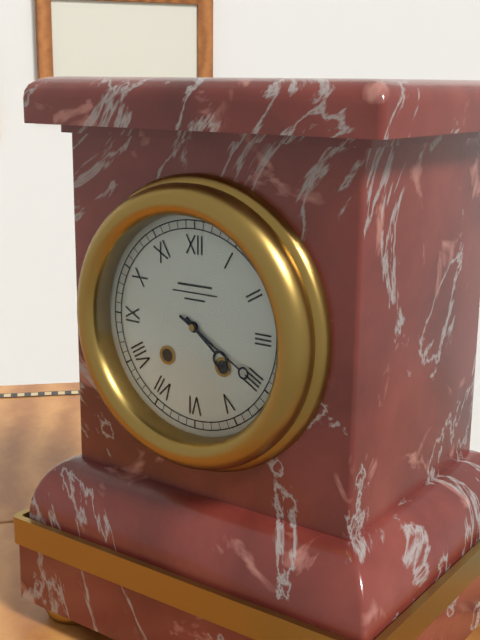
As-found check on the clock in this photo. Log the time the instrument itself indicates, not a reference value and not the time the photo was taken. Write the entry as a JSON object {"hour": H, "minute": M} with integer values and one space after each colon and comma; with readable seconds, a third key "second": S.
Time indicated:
{"hour": 4, "minute": 20}
